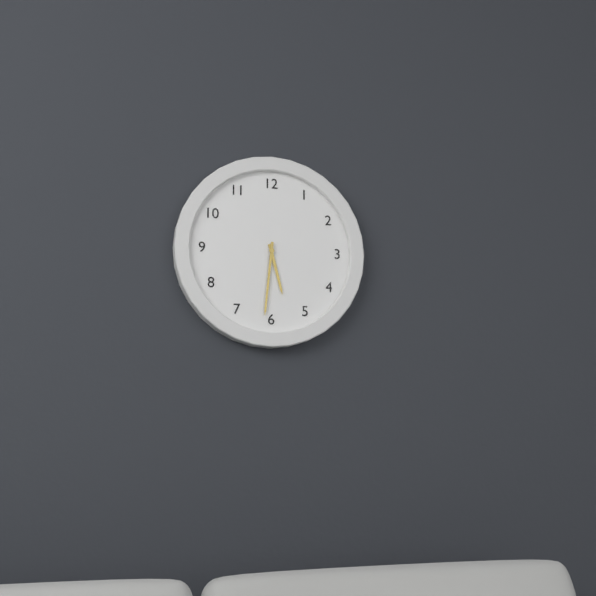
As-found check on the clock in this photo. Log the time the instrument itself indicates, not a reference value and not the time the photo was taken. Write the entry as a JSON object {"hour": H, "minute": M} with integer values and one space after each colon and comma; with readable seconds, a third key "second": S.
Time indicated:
{"hour": 5, "minute": 31}
